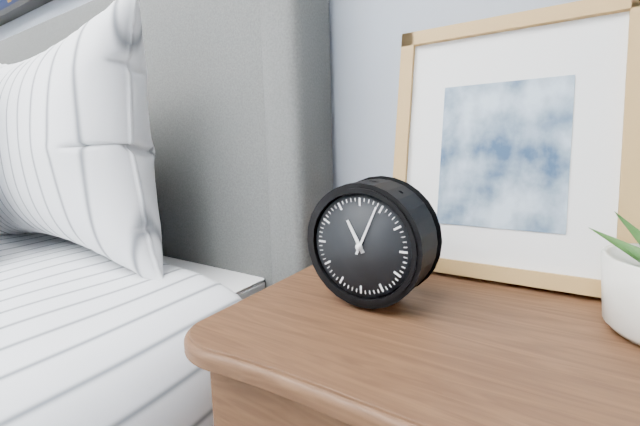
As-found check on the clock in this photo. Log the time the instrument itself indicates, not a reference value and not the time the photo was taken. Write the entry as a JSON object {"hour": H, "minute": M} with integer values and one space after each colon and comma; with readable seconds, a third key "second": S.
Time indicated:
{"hour": 11, "minute": 4}
